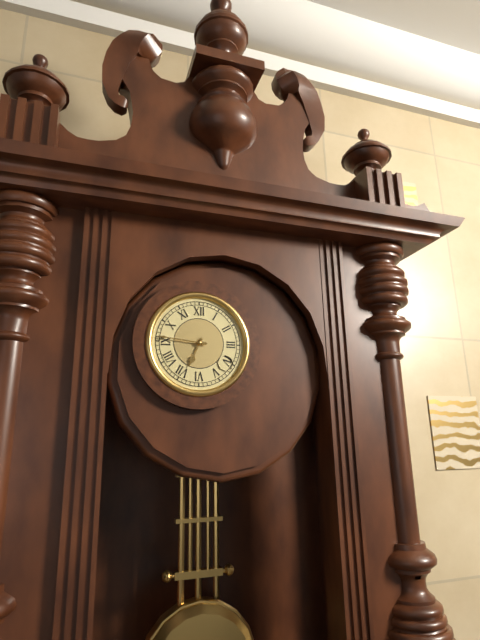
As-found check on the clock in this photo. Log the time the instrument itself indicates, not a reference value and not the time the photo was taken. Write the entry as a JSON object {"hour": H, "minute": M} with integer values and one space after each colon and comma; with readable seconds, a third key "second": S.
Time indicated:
{"hour": 6, "minute": 46}
